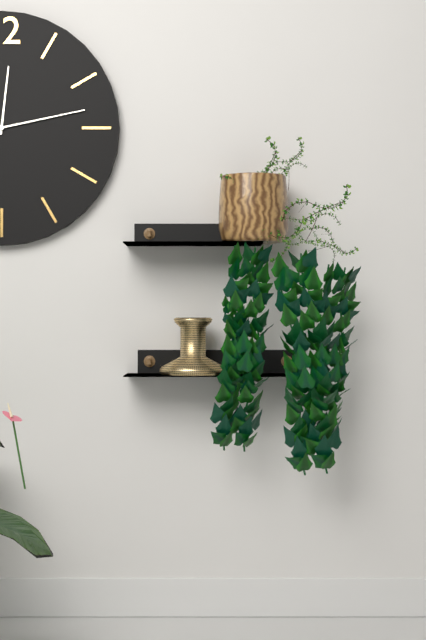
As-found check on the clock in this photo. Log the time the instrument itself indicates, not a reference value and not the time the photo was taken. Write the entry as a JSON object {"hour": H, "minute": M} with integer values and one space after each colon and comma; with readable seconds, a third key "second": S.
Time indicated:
{"hour": 12, "minute": 13}
